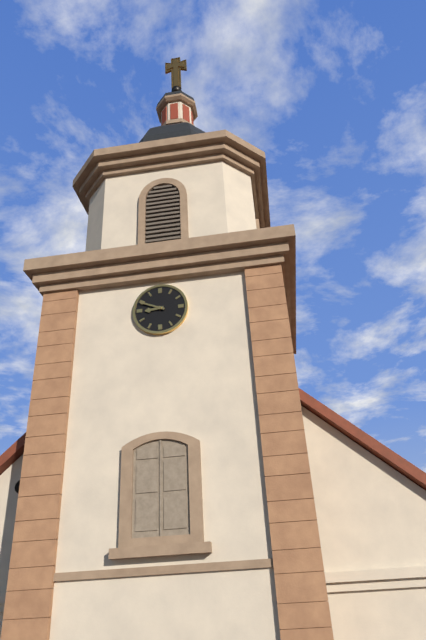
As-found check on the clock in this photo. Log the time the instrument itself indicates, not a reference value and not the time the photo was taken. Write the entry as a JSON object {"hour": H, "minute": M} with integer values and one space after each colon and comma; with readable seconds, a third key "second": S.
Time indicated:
{"hour": 8, "minute": 49}
